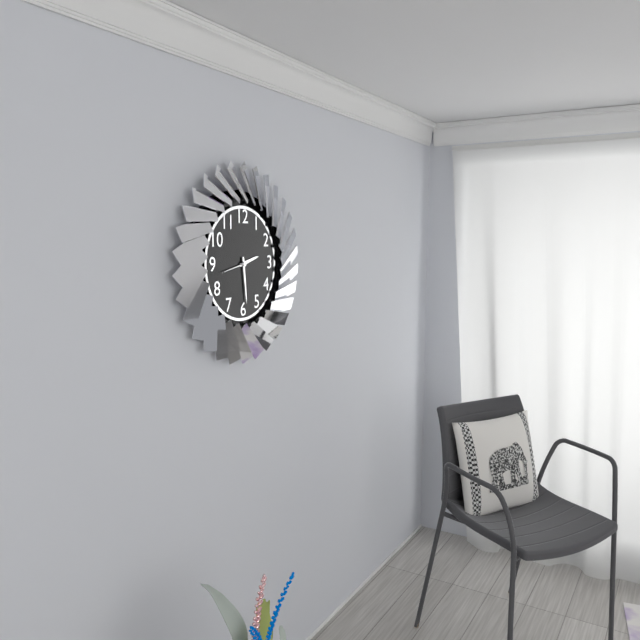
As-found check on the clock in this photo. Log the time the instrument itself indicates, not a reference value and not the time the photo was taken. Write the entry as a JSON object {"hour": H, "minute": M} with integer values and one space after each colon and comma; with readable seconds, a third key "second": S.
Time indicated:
{"hour": 2, "minute": 29}
